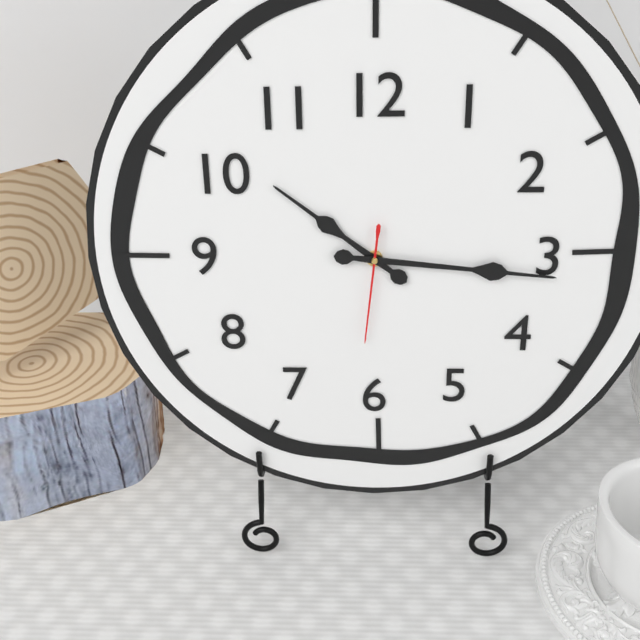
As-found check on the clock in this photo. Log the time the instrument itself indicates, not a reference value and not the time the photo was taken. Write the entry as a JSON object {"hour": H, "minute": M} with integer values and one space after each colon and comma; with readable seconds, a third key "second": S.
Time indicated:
{"hour": 10, "minute": 16, "second": 31}
